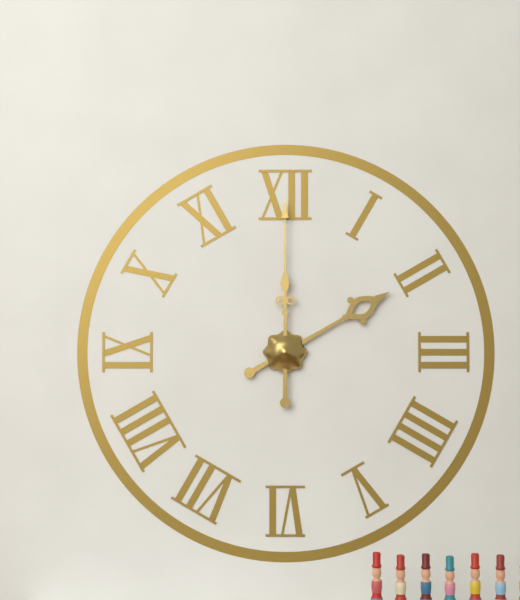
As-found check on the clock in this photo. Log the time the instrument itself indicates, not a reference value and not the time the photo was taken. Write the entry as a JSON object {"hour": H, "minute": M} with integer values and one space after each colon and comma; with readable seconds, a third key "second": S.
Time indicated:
{"hour": 2, "minute": 0}
